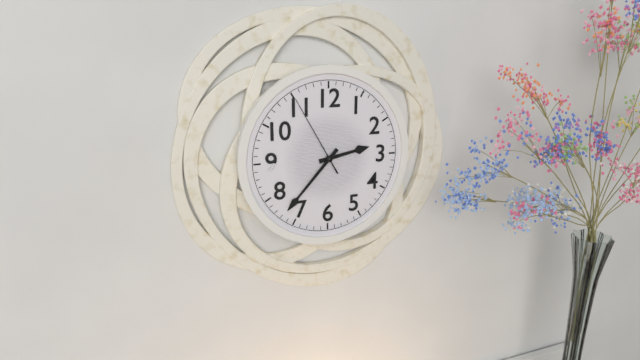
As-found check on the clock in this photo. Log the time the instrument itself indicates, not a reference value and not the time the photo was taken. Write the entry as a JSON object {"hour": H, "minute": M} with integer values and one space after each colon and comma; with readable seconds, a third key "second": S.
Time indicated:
{"hour": 2, "minute": 37, "second": 55}
